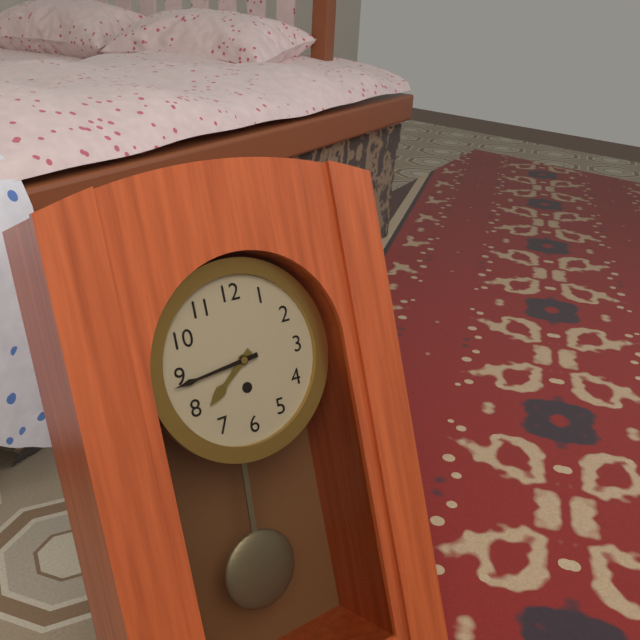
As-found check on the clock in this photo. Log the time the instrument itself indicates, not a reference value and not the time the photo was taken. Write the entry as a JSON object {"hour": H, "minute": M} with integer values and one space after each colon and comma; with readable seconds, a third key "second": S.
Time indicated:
{"hour": 7, "minute": 44}
